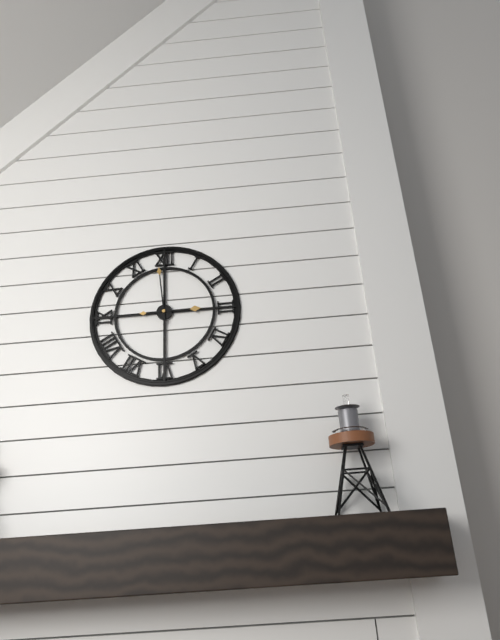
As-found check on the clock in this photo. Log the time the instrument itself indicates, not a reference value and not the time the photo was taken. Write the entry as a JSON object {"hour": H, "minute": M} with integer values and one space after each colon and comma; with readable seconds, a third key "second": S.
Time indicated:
{"hour": 2, "minute": 59}
